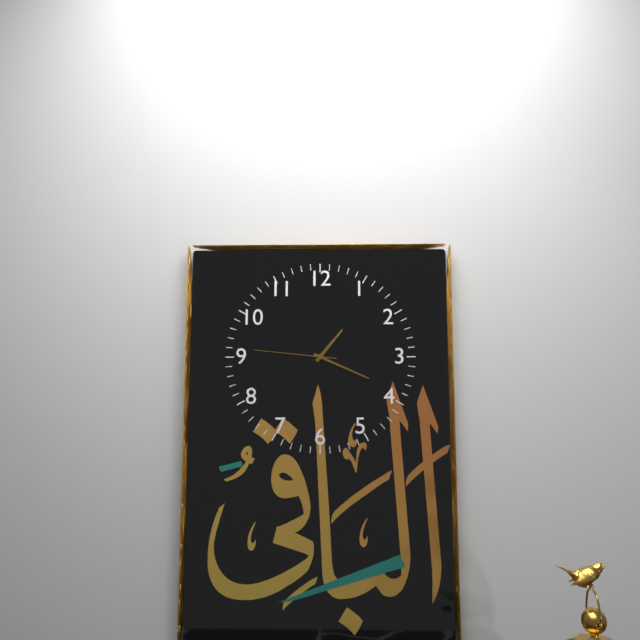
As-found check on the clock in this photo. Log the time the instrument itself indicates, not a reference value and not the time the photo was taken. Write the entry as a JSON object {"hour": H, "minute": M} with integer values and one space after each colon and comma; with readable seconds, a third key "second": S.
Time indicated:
{"hour": 1, "minute": 19, "second": 46}
